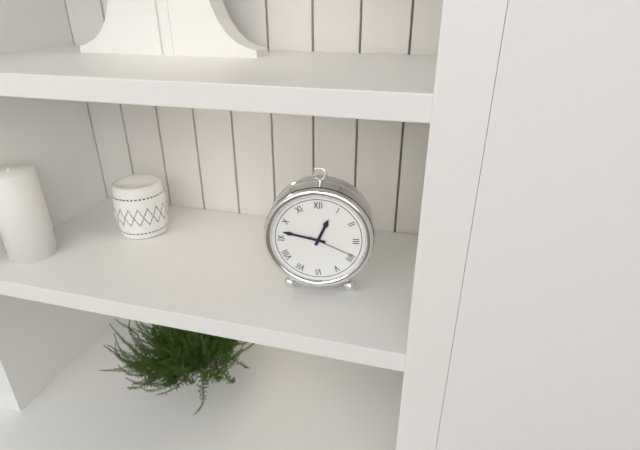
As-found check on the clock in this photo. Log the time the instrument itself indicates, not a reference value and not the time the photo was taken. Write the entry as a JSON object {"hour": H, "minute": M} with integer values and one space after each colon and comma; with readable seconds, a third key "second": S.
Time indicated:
{"hour": 12, "minute": 47, "second": 19}
